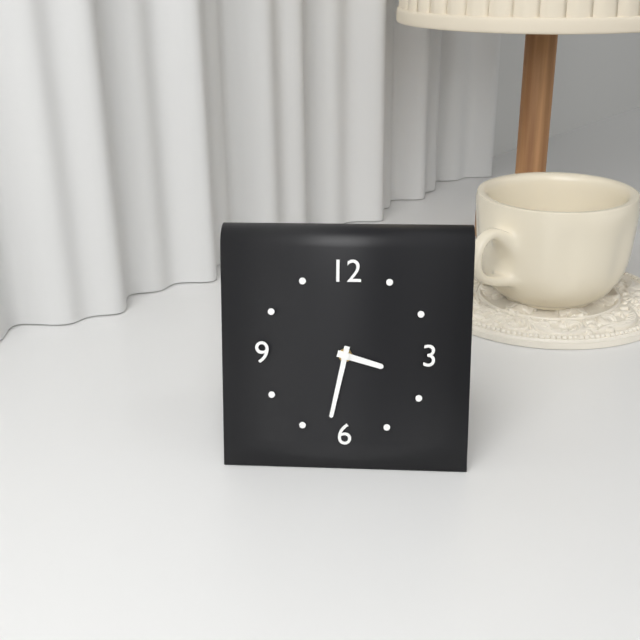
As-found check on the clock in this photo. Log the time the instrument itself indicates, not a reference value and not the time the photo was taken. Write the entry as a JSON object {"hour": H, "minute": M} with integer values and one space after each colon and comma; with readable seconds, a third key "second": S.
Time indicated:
{"hour": 3, "minute": 32}
